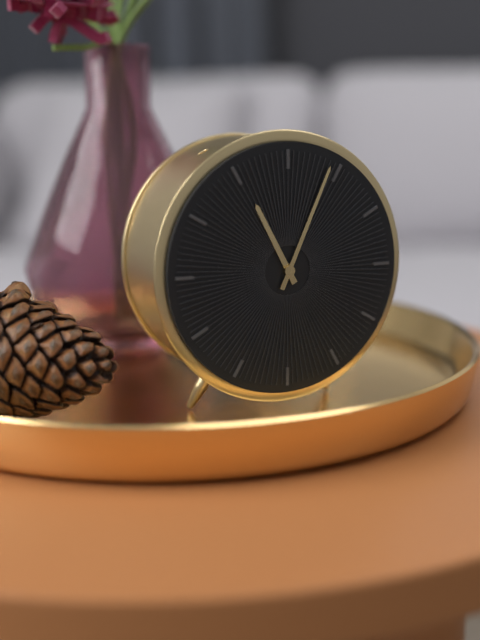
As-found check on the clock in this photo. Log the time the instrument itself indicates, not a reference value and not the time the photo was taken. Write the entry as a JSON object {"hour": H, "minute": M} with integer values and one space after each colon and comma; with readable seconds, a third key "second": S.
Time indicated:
{"hour": 11, "minute": 4}
